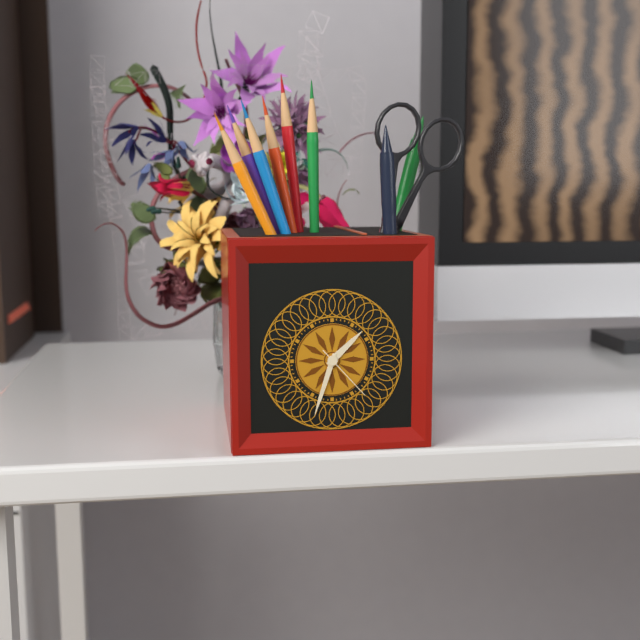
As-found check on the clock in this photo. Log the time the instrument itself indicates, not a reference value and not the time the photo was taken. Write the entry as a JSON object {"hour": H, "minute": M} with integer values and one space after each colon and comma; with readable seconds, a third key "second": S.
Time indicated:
{"hour": 1, "minute": 33, "second": 23}
